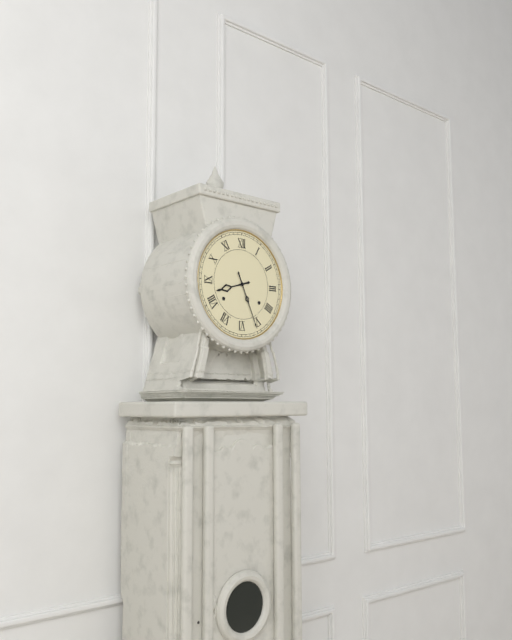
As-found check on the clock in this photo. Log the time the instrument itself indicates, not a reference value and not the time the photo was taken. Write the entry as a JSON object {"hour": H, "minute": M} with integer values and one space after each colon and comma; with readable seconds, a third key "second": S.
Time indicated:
{"hour": 8, "minute": 26}
